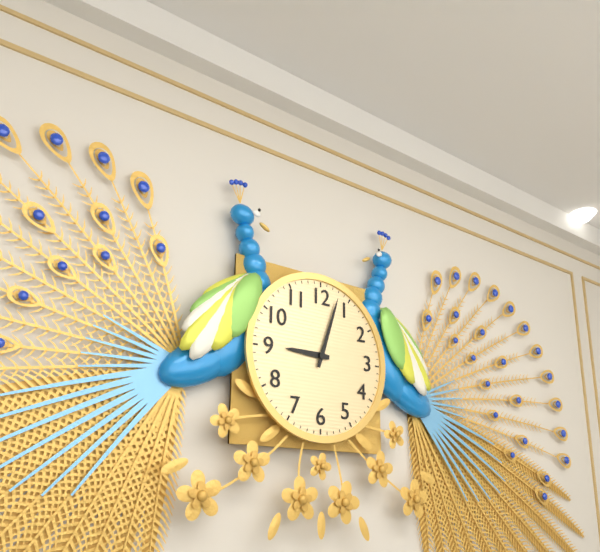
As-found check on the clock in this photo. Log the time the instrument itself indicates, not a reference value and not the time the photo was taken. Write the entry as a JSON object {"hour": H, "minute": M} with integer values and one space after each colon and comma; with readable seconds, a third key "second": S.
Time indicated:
{"hour": 9, "minute": 3}
